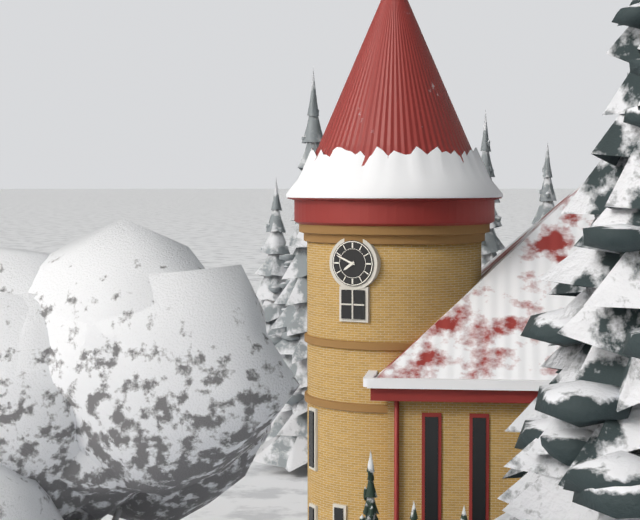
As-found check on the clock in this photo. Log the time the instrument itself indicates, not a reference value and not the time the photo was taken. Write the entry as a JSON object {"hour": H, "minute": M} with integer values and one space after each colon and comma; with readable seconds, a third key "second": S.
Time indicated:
{"hour": 7, "minute": 49}
